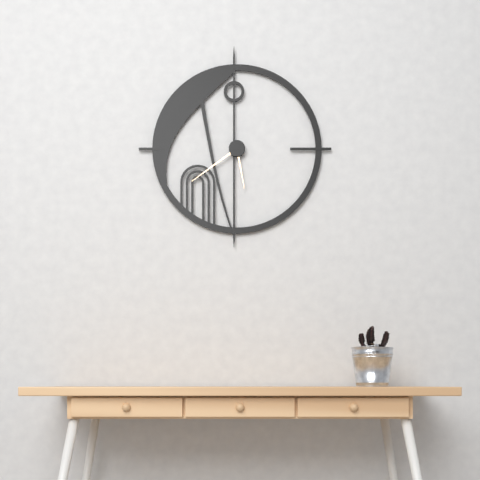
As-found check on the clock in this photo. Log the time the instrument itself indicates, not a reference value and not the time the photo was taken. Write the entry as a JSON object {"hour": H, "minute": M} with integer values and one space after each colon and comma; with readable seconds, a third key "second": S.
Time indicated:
{"hour": 5, "minute": 39}
